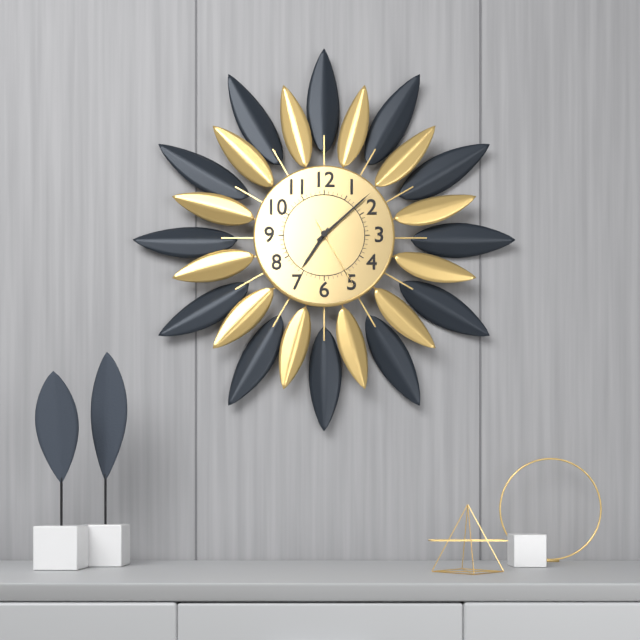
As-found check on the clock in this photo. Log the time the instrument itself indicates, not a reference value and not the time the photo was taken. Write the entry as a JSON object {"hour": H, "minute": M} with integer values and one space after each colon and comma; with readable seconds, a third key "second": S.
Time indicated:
{"hour": 7, "minute": 8, "second": 25}
